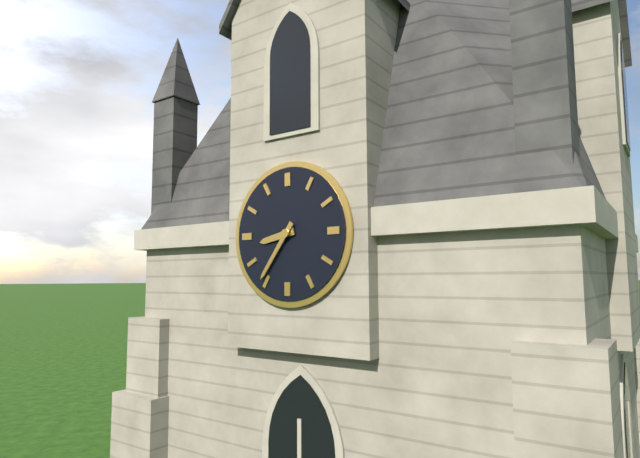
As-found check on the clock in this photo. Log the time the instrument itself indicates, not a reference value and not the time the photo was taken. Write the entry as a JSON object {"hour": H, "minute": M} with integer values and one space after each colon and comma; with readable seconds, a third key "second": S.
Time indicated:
{"hour": 8, "minute": 36}
